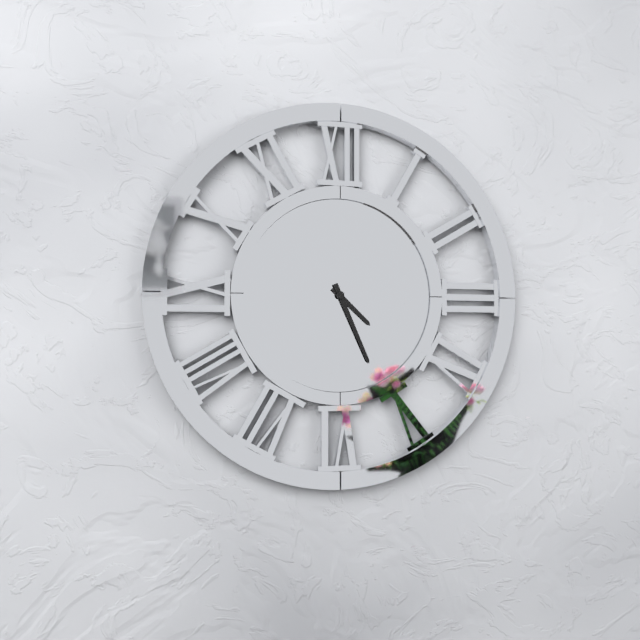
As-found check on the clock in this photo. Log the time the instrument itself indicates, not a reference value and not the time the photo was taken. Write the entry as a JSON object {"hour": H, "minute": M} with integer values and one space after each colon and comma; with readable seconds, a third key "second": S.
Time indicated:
{"hour": 4, "minute": 26}
